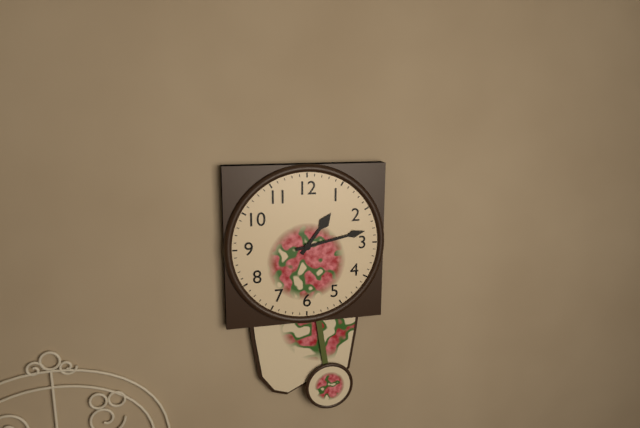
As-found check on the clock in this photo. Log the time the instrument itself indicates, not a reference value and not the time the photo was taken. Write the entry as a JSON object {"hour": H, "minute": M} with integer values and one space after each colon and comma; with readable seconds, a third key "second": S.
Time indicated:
{"hour": 1, "minute": 13}
